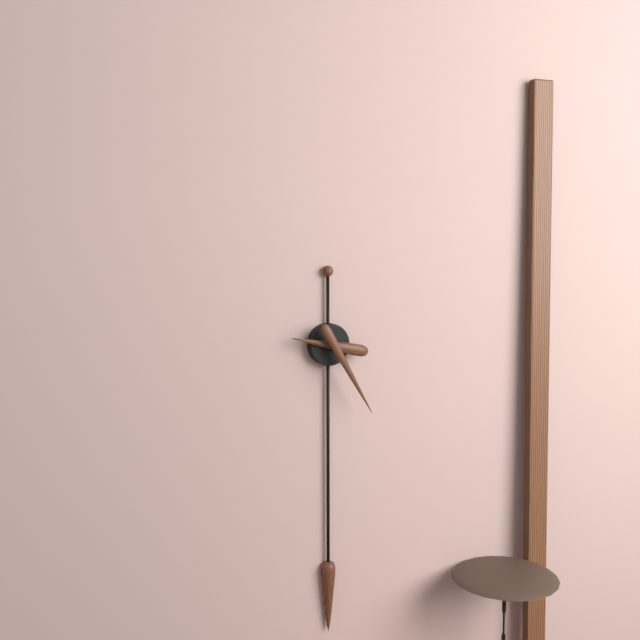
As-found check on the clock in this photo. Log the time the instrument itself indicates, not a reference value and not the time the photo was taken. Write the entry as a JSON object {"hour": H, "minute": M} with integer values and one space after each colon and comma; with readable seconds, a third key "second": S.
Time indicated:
{"hour": 9, "minute": 25}
